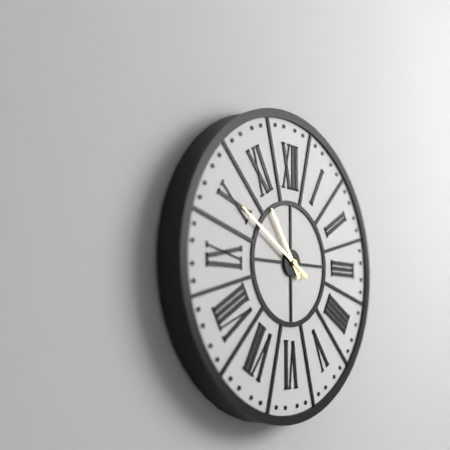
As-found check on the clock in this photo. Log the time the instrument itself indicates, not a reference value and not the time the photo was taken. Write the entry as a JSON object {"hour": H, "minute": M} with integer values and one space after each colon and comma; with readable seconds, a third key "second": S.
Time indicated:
{"hour": 10, "minute": 50}
